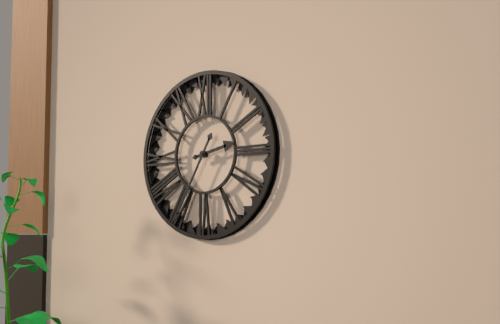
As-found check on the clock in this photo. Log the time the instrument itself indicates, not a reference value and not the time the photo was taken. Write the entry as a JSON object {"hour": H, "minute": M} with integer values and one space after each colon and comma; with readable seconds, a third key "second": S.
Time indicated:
{"hour": 2, "minute": 35}
